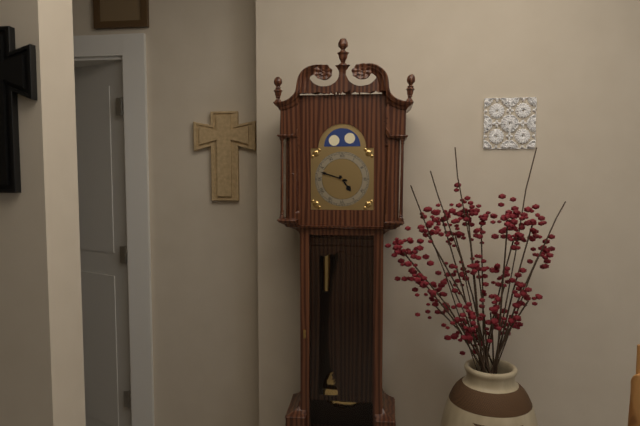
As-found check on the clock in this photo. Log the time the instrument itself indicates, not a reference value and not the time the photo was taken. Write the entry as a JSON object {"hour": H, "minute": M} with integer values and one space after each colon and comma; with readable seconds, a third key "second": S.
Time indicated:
{"hour": 4, "minute": 48}
